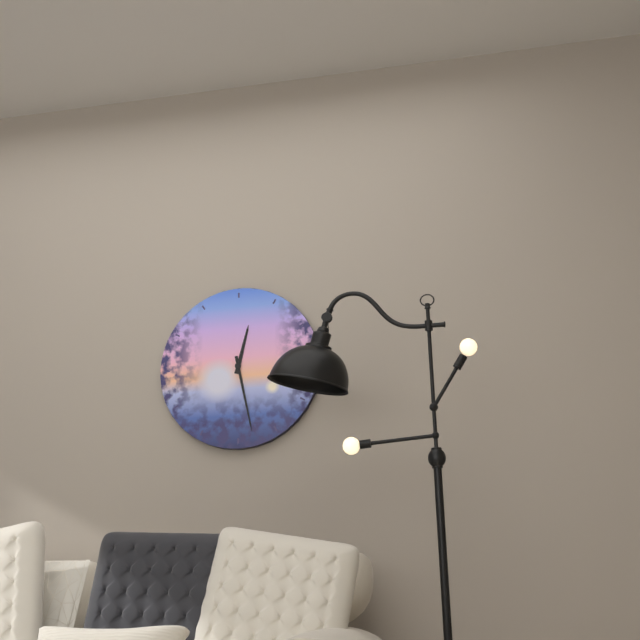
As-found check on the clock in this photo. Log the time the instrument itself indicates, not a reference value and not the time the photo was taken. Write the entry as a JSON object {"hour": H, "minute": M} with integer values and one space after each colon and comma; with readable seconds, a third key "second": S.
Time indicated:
{"hour": 12, "minute": 28}
